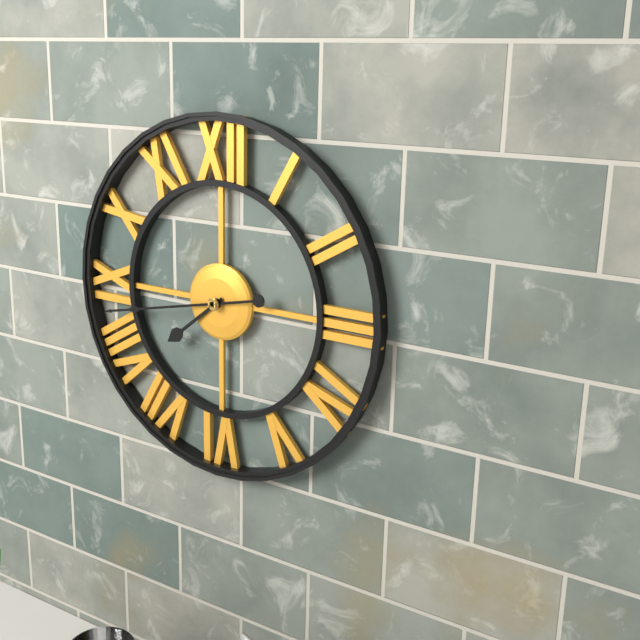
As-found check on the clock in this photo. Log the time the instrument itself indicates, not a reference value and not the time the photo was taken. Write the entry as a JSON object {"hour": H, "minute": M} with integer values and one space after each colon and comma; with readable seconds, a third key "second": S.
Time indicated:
{"hour": 7, "minute": 43}
